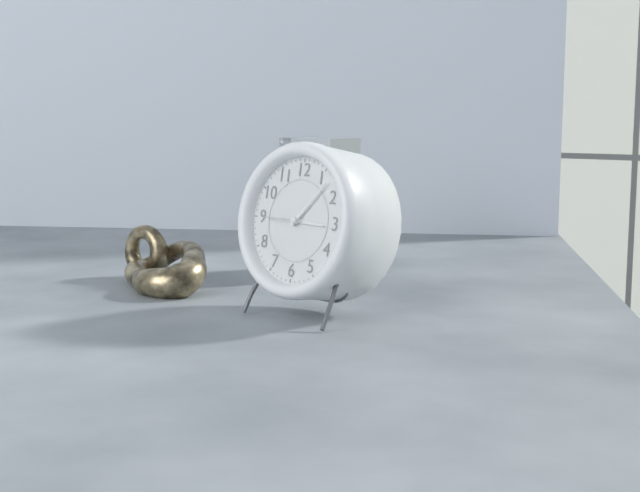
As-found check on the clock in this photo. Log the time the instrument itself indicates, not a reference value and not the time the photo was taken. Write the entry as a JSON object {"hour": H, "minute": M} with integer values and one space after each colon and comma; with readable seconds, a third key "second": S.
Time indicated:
{"hour": 3, "minute": 7}
